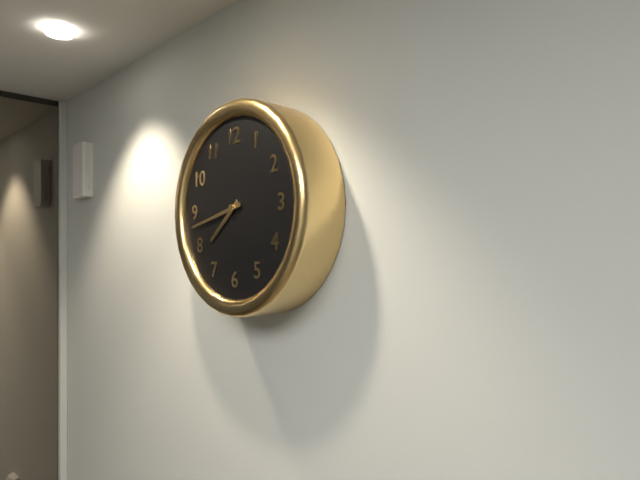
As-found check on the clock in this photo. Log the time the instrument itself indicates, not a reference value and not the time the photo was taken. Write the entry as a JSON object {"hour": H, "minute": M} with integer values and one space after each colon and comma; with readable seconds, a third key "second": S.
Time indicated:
{"hour": 7, "minute": 43}
